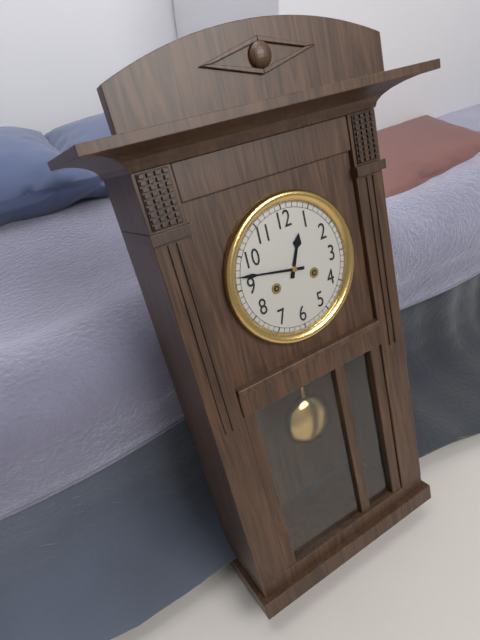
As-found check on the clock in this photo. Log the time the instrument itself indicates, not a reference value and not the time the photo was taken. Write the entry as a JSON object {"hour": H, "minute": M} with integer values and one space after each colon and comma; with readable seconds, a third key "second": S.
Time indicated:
{"hour": 12, "minute": 47}
